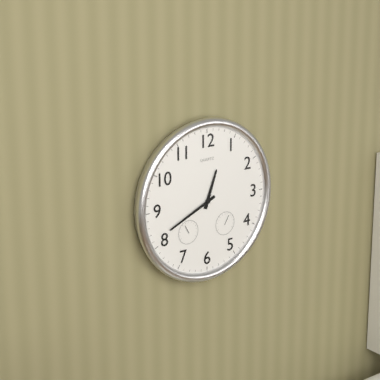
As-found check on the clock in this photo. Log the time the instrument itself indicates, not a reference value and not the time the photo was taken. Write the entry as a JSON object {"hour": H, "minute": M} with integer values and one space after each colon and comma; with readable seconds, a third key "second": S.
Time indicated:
{"hour": 12, "minute": 41}
